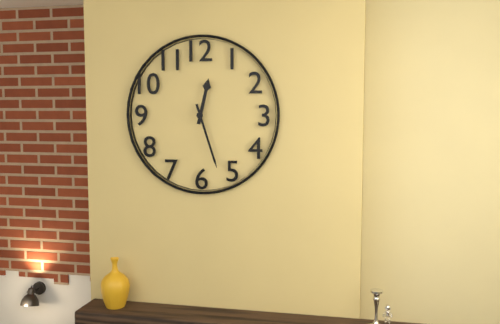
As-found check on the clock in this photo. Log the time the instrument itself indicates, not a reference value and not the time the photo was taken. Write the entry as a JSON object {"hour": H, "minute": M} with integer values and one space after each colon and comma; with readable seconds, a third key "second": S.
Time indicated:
{"hour": 12, "minute": 27}
